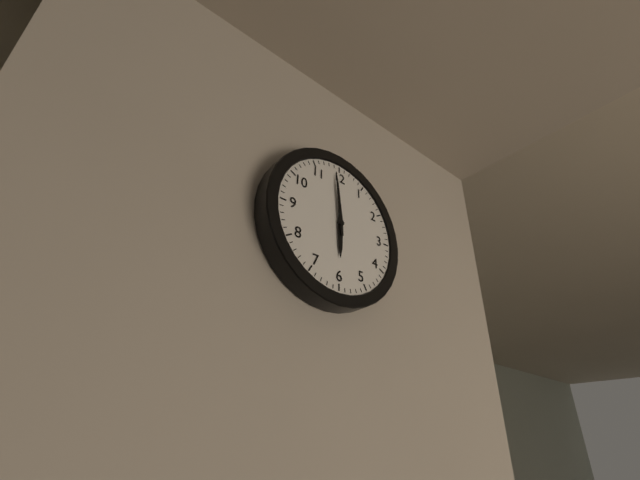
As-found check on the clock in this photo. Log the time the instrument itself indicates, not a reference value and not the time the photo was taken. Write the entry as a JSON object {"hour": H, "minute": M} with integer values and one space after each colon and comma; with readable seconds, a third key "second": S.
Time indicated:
{"hour": 5, "minute": 59}
